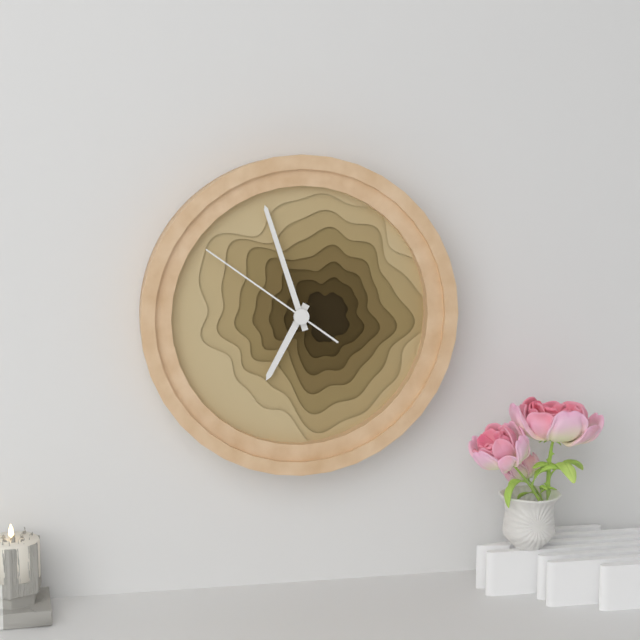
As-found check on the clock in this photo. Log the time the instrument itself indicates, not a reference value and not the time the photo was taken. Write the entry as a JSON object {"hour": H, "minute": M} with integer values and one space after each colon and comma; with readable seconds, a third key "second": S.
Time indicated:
{"hour": 6, "minute": 57, "second": 51}
